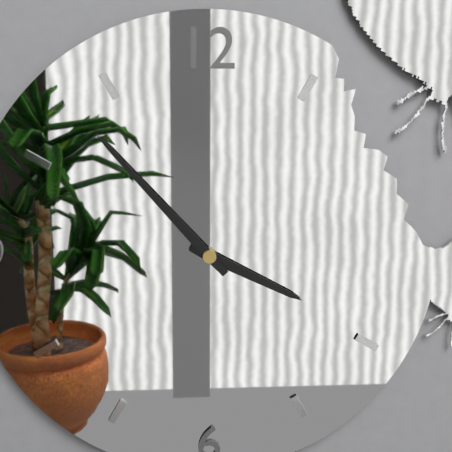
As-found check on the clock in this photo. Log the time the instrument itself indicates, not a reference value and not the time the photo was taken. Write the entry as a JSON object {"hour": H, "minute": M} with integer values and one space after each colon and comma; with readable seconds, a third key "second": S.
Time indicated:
{"hour": 3, "minute": 53}
